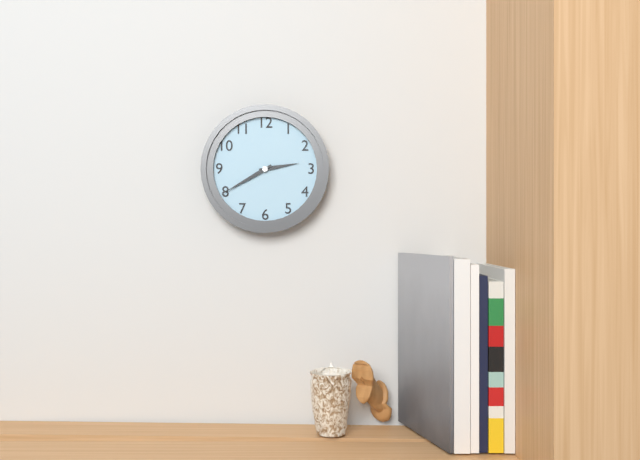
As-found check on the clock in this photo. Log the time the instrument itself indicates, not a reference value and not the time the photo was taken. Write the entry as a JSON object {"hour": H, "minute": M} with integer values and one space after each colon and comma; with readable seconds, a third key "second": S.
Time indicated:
{"hour": 2, "minute": 40}
